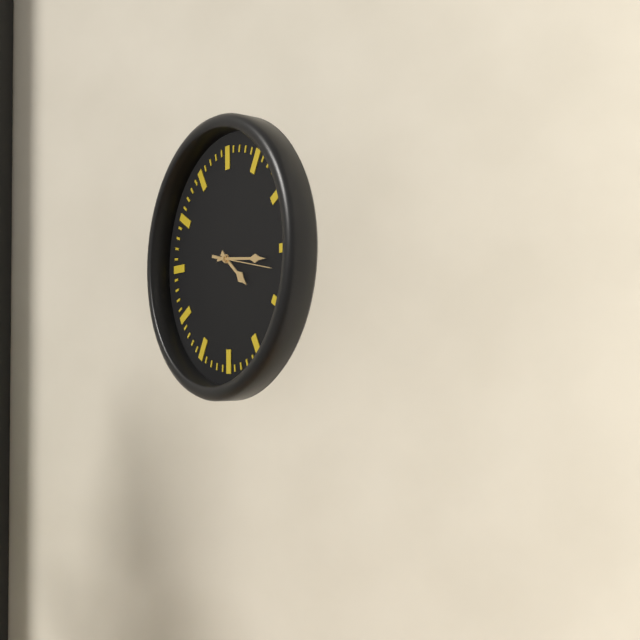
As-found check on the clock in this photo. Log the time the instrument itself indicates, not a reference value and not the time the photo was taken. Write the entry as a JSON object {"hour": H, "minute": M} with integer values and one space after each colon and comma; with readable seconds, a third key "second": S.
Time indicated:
{"hour": 4, "minute": 16}
